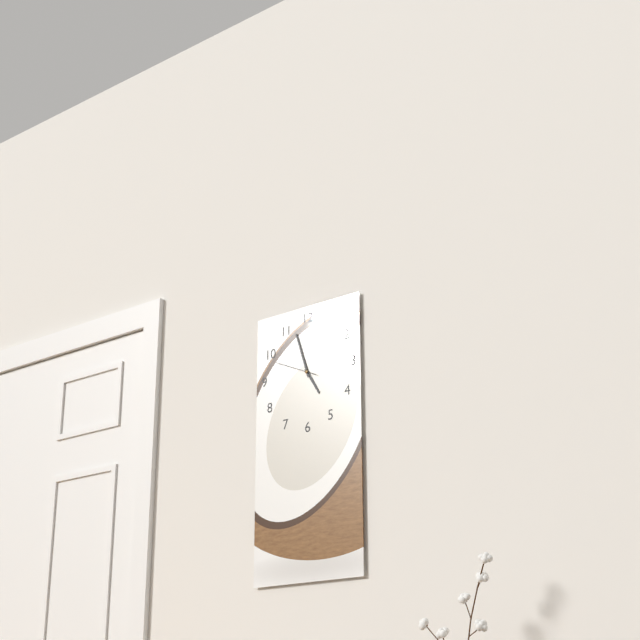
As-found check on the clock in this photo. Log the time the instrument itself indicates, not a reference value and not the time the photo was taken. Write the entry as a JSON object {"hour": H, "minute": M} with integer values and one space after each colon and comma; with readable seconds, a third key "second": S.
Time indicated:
{"hour": 4, "minute": 57}
